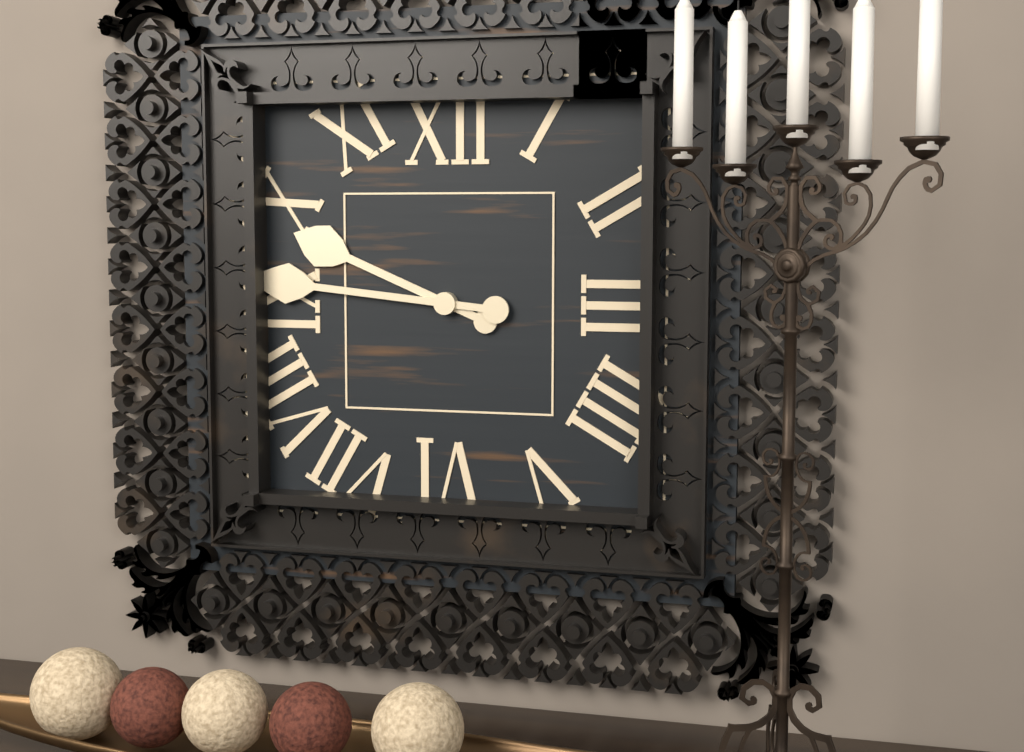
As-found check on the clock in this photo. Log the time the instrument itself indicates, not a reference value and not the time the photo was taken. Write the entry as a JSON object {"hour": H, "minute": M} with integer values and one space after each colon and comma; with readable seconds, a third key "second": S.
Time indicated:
{"hour": 9, "minute": 46}
